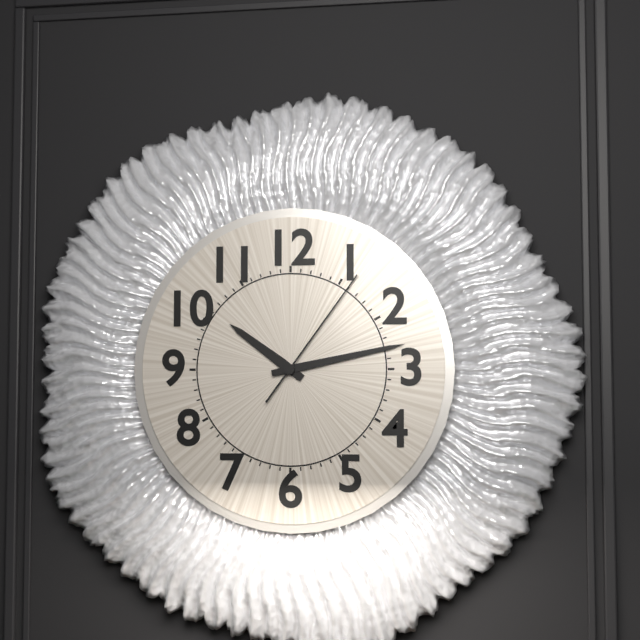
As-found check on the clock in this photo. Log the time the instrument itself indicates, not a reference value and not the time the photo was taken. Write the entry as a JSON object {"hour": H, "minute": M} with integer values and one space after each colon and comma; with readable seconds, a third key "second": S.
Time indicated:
{"hour": 10, "minute": 13, "second": 6}
